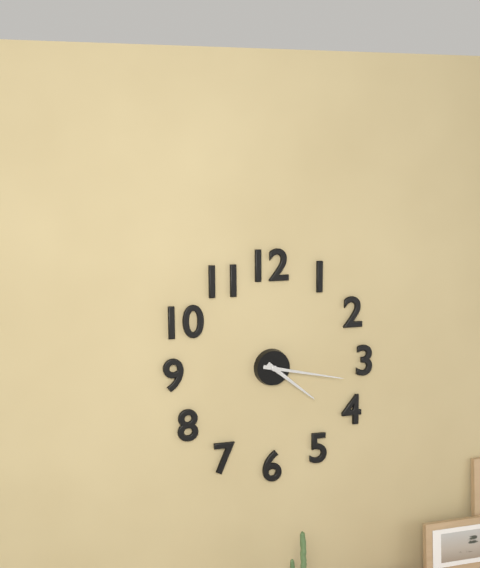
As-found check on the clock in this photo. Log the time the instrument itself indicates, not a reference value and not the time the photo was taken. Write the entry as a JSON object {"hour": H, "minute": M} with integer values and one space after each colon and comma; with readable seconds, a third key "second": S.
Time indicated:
{"hour": 4, "minute": 17}
